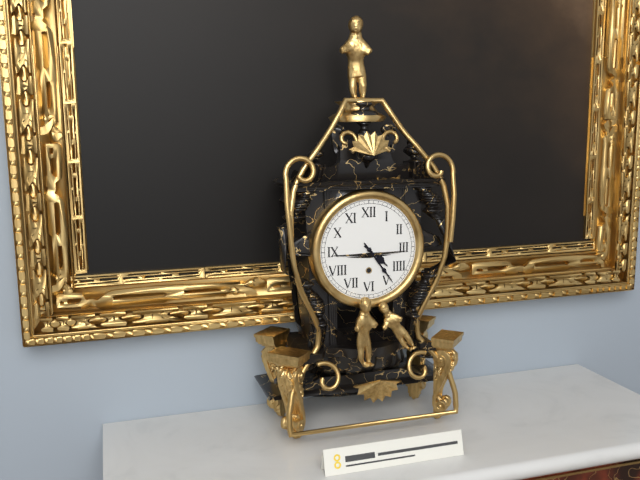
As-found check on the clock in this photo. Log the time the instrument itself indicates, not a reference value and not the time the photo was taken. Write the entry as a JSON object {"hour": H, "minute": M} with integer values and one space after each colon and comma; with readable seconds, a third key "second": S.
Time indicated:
{"hour": 4, "minute": 24}
